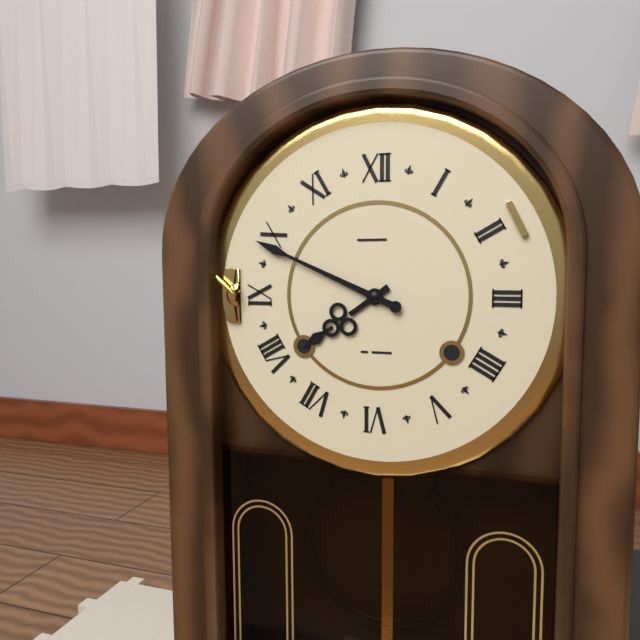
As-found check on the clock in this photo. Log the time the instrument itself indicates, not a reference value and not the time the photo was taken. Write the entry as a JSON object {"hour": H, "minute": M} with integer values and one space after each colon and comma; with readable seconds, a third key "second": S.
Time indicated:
{"hour": 7, "minute": 49}
